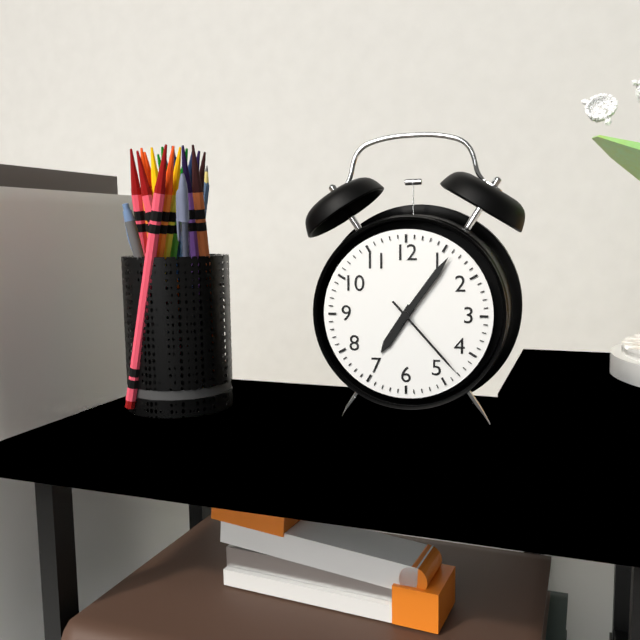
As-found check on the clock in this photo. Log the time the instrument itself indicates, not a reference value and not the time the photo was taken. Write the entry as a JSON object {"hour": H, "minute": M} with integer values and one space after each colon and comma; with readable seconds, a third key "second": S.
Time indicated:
{"hour": 7, "minute": 6, "second": 23}
